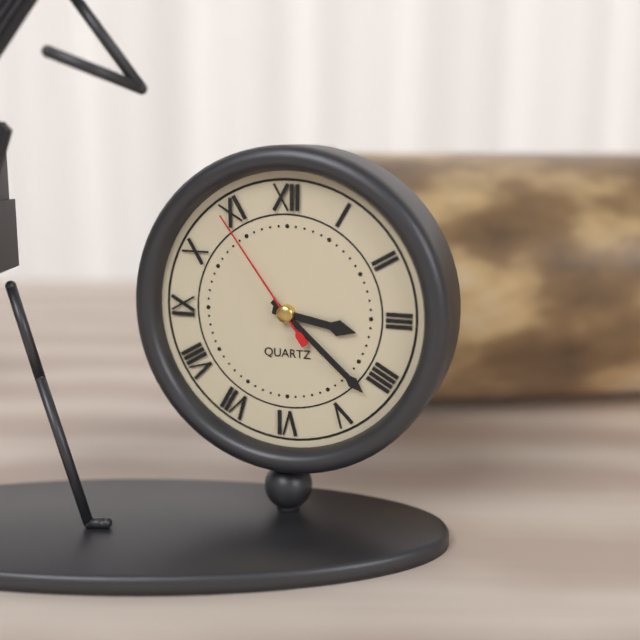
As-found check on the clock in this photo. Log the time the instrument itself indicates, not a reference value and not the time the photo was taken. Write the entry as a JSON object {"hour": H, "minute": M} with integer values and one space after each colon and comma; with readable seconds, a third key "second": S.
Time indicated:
{"hour": 3, "minute": 22, "second": 54}
